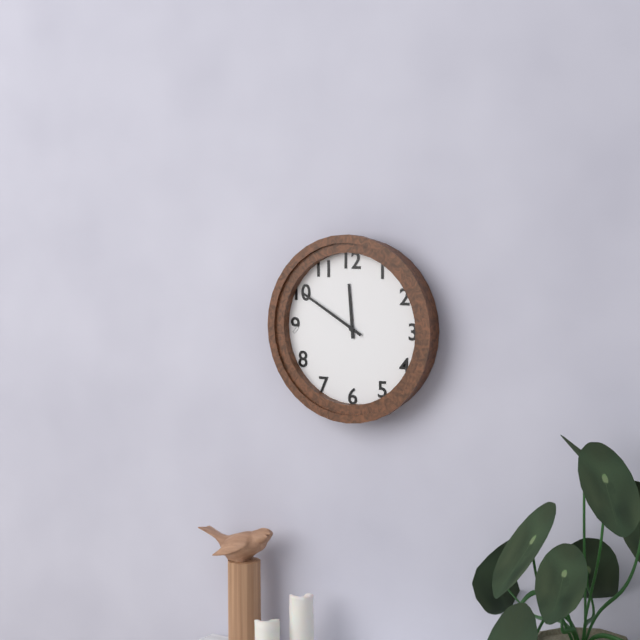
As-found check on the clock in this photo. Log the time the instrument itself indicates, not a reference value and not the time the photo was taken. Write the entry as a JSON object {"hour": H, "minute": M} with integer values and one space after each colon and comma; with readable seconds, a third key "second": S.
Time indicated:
{"hour": 11, "minute": 50}
